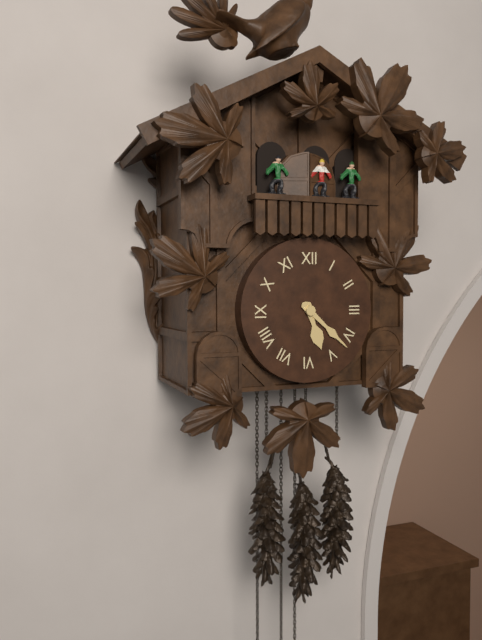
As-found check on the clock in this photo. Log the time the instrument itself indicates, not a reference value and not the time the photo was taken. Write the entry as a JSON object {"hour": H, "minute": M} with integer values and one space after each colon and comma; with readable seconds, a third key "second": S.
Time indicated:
{"hour": 5, "minute": 22}
